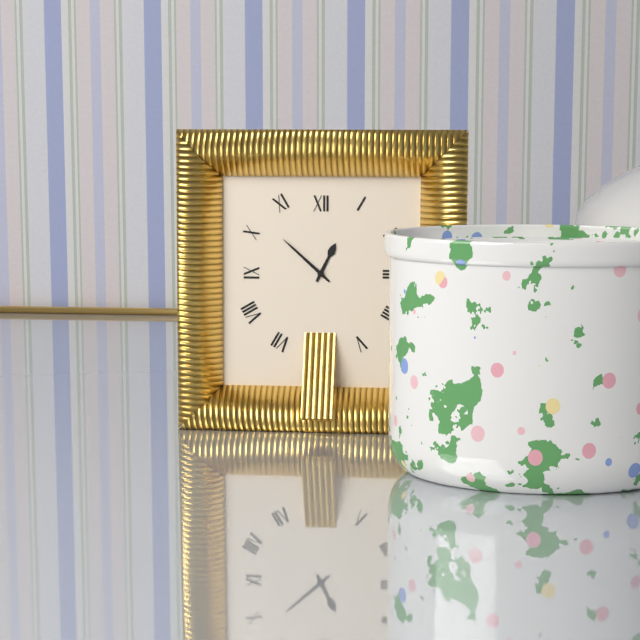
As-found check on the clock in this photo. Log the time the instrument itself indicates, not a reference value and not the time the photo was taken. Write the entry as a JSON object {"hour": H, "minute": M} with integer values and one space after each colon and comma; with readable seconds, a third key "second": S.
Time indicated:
{"hour": 12, "minute": 52}
